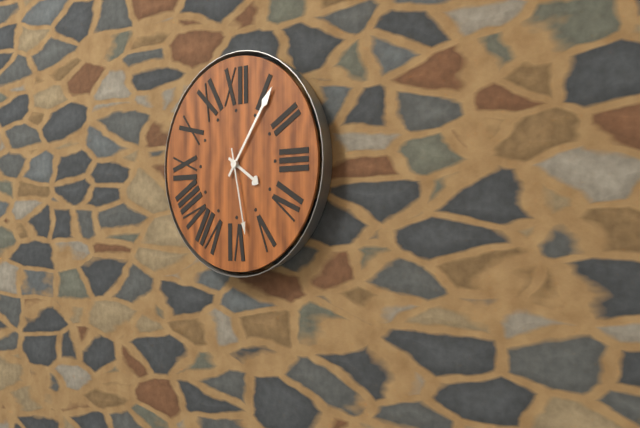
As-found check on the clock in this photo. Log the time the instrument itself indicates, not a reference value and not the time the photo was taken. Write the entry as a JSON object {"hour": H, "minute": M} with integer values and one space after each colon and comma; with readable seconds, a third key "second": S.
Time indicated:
{"hour": 4, "minute": 6, "second": 28}
